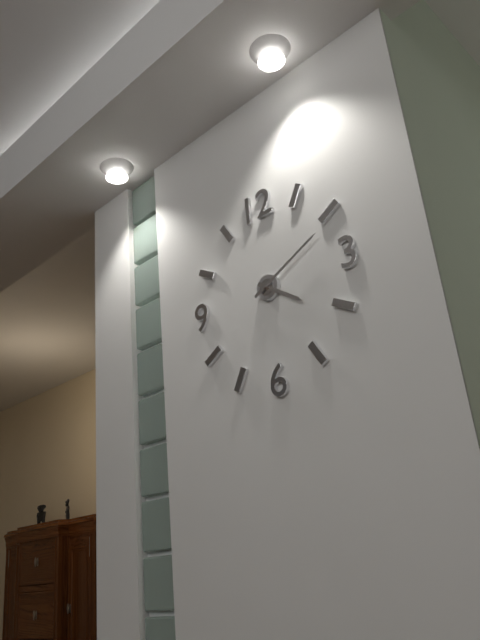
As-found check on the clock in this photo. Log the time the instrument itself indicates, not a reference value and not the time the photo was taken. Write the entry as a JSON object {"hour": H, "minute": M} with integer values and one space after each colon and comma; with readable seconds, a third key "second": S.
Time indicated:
{"hour": 4, "minute": 11}
